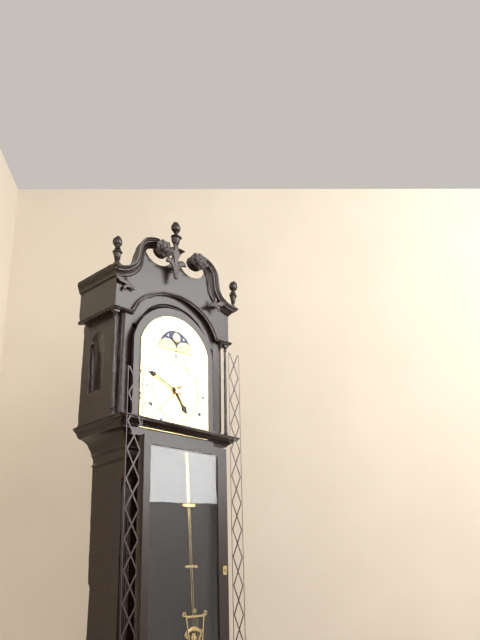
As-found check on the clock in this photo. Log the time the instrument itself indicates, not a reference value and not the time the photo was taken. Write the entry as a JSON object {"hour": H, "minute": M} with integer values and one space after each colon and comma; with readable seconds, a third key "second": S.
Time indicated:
{"hour": 4, "minute": 49}
